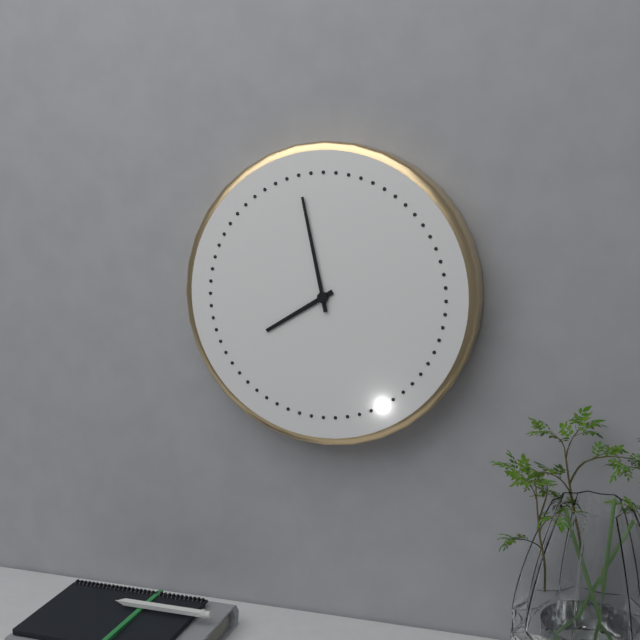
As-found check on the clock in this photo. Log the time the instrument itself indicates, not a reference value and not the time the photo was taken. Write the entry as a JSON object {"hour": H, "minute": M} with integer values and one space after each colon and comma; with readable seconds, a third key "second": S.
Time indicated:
{"hour": 7, "minute": 58}
